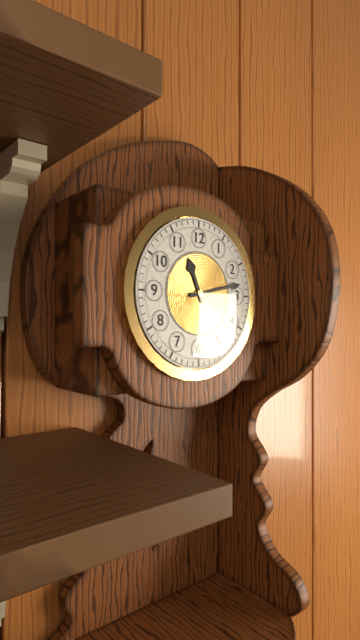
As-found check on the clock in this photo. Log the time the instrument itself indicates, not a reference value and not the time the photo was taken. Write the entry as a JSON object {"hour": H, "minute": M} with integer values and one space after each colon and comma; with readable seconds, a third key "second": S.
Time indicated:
{"hour": 11, "minute": 13}
